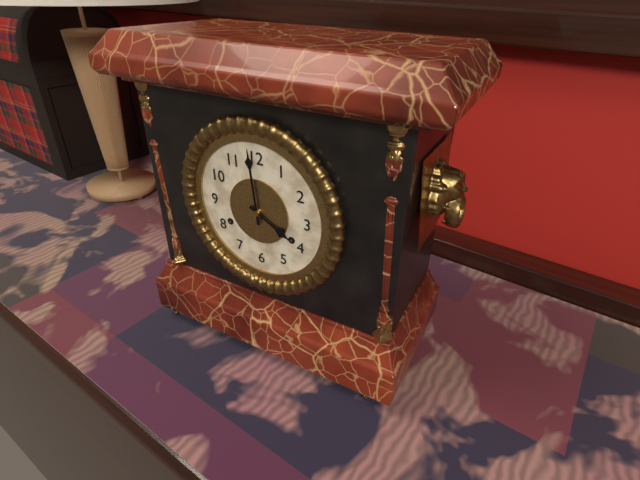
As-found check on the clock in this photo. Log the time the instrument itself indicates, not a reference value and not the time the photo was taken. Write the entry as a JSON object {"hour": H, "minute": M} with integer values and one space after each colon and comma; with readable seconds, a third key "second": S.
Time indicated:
{"hour": 3, "minute": 59}
